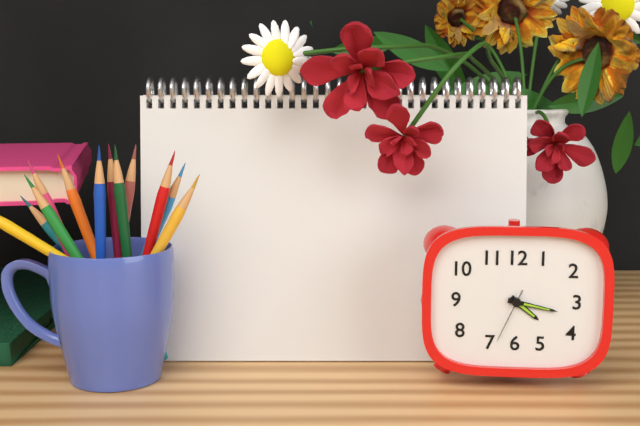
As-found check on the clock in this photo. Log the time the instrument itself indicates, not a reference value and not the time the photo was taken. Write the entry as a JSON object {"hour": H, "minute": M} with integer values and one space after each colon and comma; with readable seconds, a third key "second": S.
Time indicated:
{"hour": 4, "minute": 17, "second": 34}
